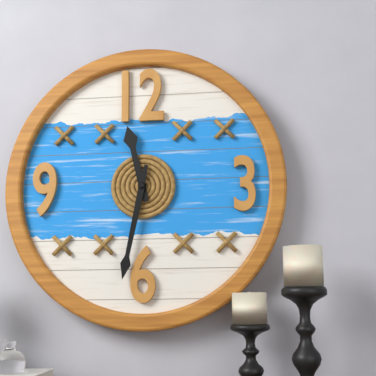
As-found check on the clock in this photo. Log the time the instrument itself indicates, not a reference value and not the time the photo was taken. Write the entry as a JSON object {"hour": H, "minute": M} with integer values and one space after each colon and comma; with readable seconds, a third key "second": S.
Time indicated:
{"hour": 11, "minute": 32}
